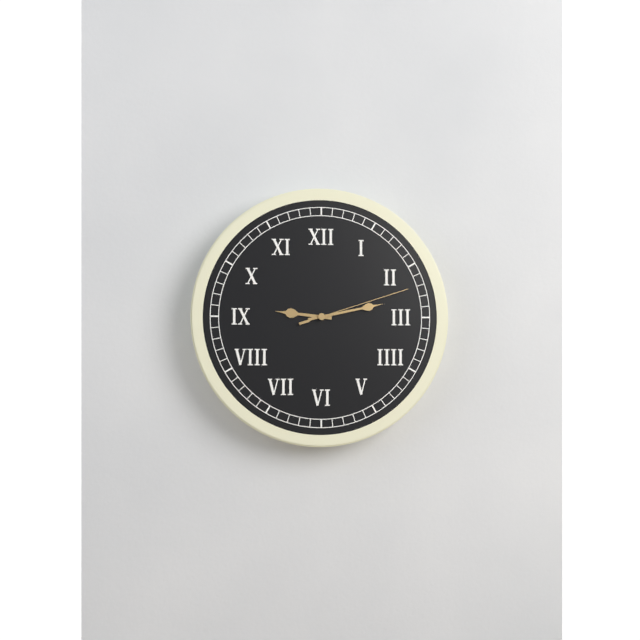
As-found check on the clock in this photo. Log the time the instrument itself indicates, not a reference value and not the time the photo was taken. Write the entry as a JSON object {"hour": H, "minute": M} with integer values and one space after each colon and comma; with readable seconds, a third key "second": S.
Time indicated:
{"hour": 9, "minute": 13, "second": 12}
